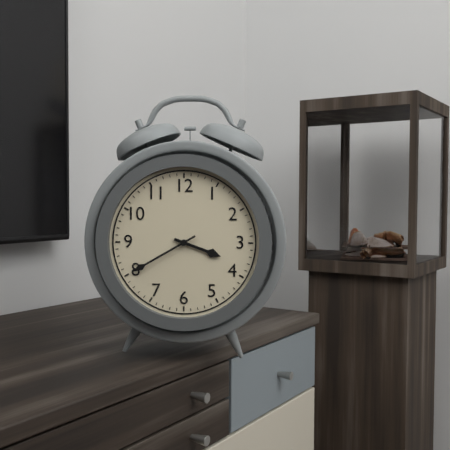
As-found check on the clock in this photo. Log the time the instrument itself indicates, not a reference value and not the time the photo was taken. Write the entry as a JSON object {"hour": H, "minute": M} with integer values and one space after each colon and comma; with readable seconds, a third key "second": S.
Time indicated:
{"hour": 3, "minute": 40}
